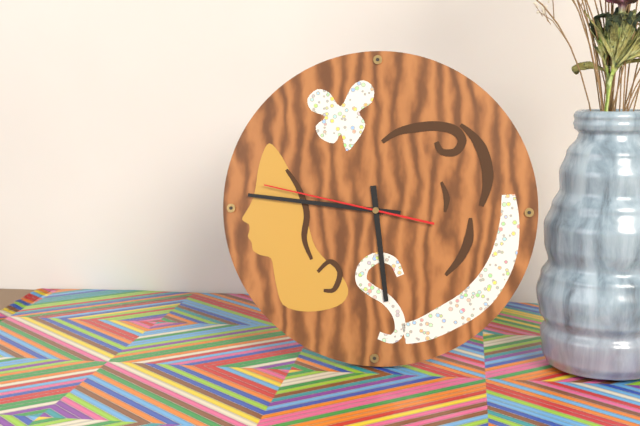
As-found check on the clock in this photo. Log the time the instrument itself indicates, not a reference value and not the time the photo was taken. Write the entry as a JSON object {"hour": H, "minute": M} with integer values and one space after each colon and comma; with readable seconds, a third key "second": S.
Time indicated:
{"hour": 5, "minute": 46, "second": 47}
